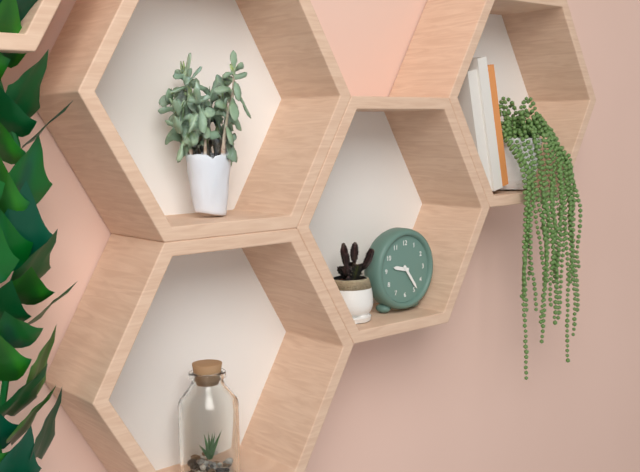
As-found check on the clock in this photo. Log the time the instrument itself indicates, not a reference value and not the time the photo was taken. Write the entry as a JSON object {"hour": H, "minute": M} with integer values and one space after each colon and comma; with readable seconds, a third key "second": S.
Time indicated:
{"hour": 9, "minute": 24}
